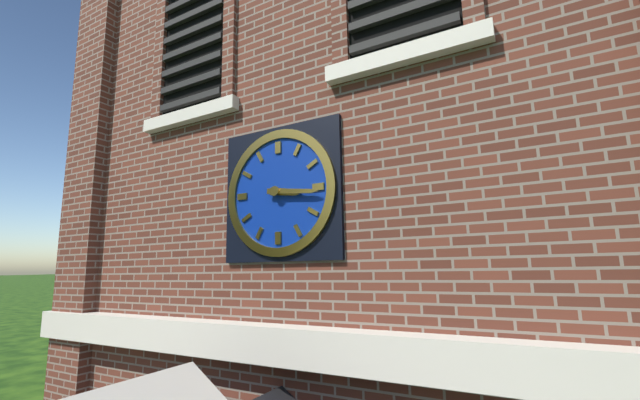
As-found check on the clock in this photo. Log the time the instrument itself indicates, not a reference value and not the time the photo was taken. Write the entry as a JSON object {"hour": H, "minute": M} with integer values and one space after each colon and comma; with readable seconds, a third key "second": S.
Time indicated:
{"hour": 3, "minute": 16}
